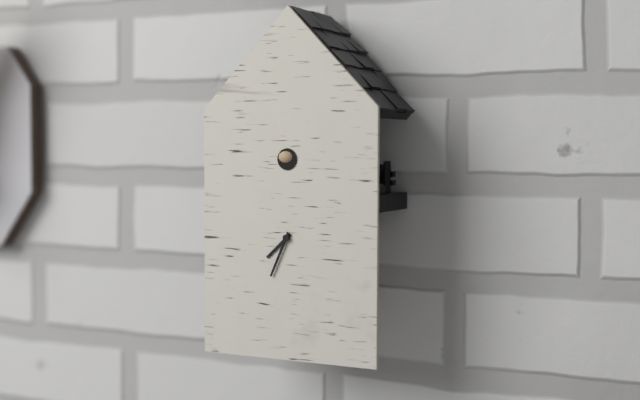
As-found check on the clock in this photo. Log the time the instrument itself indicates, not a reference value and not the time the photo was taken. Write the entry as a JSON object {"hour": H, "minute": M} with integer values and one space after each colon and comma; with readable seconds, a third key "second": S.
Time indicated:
{"hour": 7, "minute": 34}
